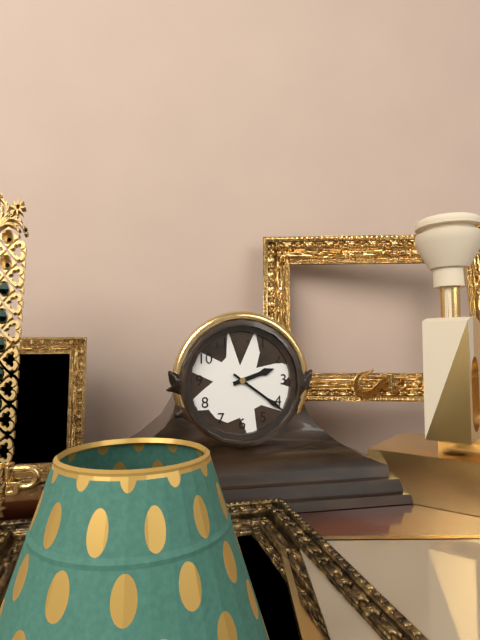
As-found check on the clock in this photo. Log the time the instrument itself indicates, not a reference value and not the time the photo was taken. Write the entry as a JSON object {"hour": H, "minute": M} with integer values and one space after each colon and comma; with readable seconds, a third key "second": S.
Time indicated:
{"hour": 2, "minute": 21}
